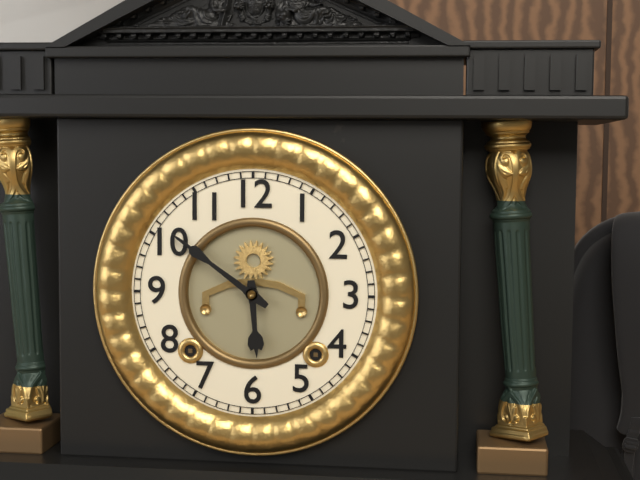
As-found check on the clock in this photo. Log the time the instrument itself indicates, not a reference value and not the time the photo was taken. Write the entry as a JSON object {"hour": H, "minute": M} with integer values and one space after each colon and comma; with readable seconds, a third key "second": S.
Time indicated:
{"hour": 5, "minute": 51}
